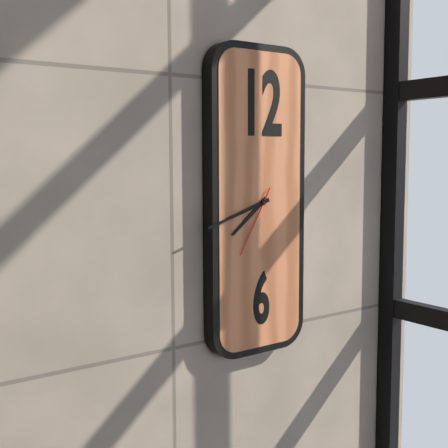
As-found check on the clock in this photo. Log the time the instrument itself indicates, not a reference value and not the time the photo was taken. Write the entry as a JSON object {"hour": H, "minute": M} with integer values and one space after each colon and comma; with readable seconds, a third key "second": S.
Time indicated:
{"hour": 7, "minute": 42, "second": 35}
